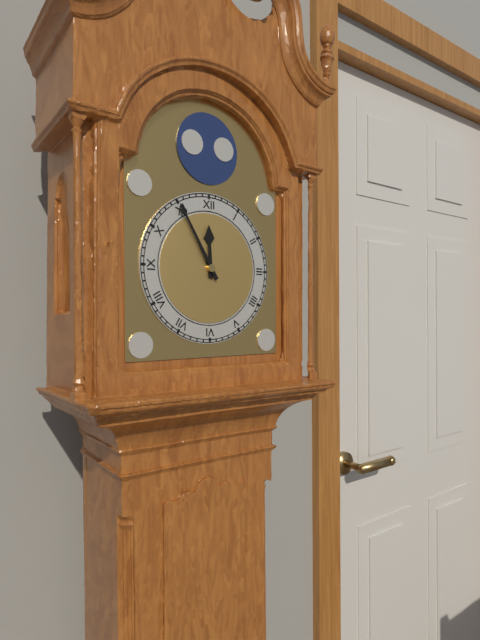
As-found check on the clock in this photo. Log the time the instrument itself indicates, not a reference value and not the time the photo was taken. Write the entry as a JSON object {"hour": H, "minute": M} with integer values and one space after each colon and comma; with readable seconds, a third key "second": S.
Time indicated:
{"hour": 11, "minute": 55}
